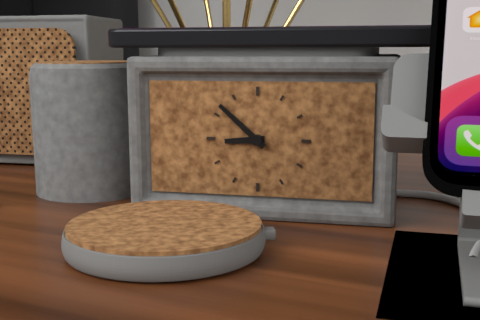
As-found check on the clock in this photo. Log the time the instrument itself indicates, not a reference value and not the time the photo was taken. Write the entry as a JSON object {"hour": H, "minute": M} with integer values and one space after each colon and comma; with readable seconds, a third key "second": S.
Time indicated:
{"hour": 8, "minute": 52}
